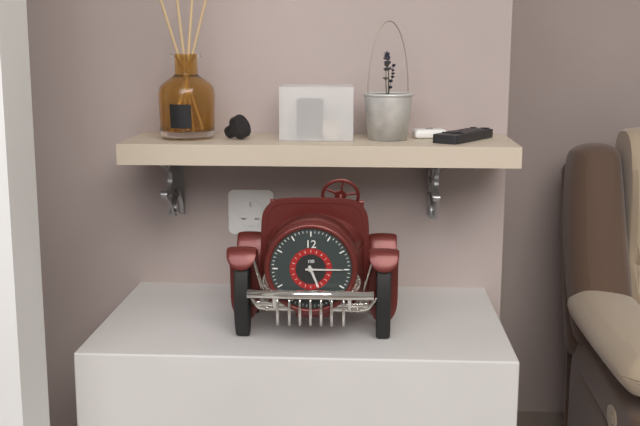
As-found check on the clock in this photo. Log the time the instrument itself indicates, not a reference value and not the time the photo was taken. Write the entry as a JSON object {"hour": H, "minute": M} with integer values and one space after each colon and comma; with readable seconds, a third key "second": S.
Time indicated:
{"hour": 5, "minute": 15}
